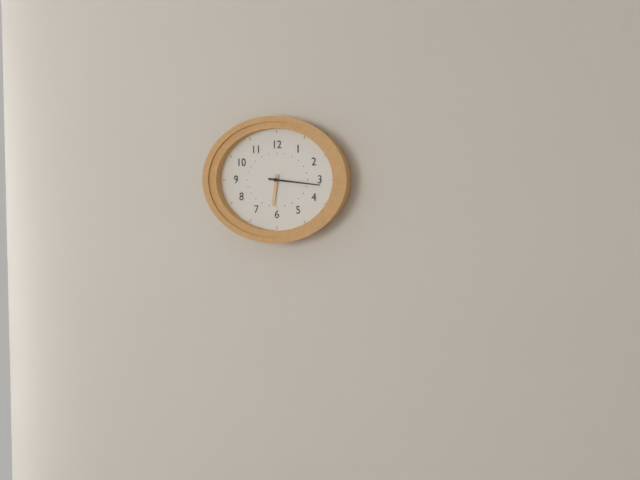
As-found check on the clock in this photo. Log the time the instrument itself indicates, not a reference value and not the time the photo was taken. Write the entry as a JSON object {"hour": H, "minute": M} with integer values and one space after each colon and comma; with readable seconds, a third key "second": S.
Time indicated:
{"hour": 6, "minute": 16}
